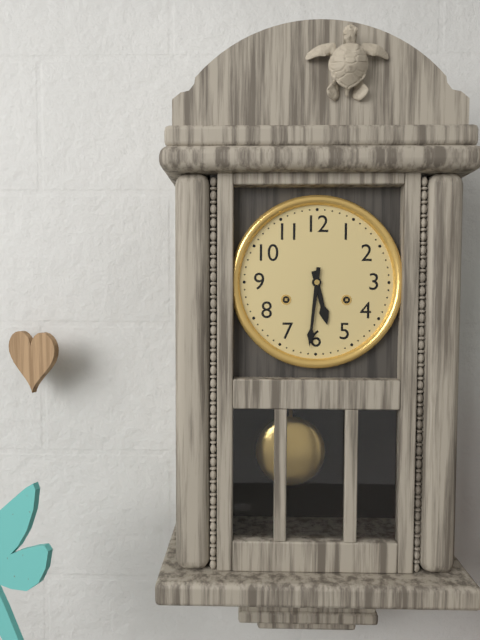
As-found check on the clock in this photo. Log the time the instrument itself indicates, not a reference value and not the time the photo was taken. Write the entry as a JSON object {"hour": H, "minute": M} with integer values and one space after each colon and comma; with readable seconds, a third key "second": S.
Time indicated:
{"hour": 5, "minute": 31}
